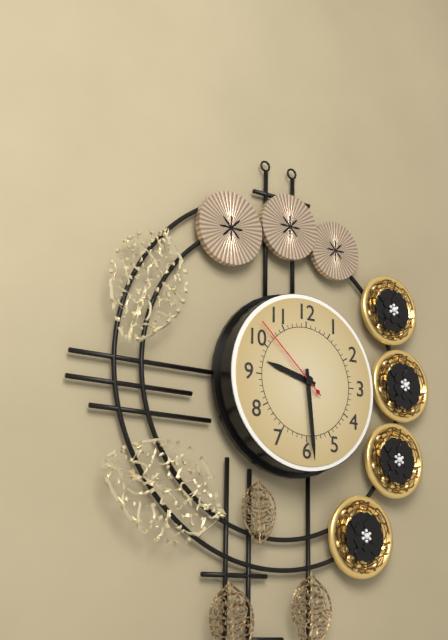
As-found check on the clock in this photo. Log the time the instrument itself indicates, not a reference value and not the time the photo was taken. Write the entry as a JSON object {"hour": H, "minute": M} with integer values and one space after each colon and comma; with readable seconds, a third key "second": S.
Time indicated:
{"hour": 9, "minute": 29, "second": 52}
